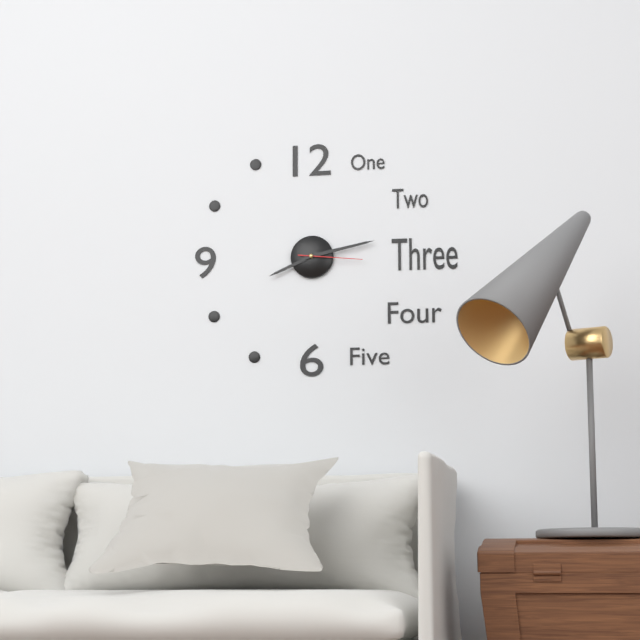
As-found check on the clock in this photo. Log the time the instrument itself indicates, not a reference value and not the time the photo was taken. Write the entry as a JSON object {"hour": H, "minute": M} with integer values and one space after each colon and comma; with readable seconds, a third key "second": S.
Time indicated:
{"hour": 8, "minute": 13, "second": 16}
